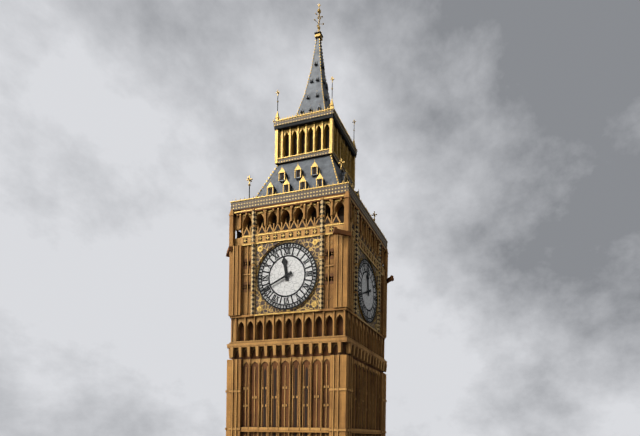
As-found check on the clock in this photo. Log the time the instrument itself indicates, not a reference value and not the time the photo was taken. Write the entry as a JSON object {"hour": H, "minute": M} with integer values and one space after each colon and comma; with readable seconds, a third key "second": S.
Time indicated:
{"hour": 11, "minute": 41}
